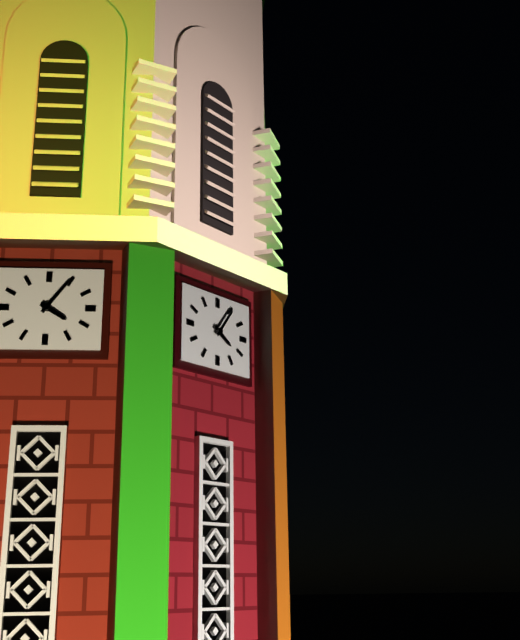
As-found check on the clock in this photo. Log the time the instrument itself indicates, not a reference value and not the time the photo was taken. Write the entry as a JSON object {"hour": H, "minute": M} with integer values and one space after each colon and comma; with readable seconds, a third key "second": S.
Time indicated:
{"hour": 4, "minute": 6}
